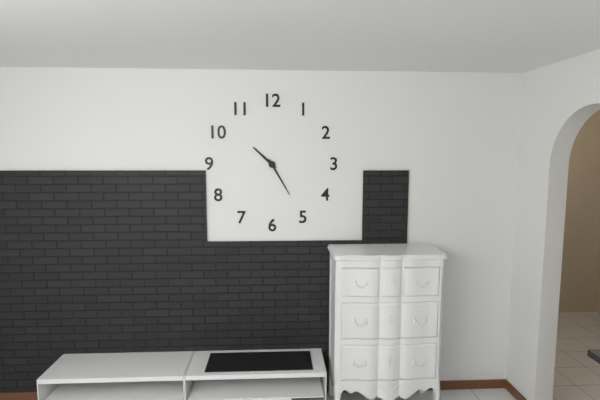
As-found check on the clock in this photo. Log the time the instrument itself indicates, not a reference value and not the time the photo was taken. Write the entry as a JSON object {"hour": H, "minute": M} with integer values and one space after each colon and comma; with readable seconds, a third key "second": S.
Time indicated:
{"hour": 10, "minute": 25}
